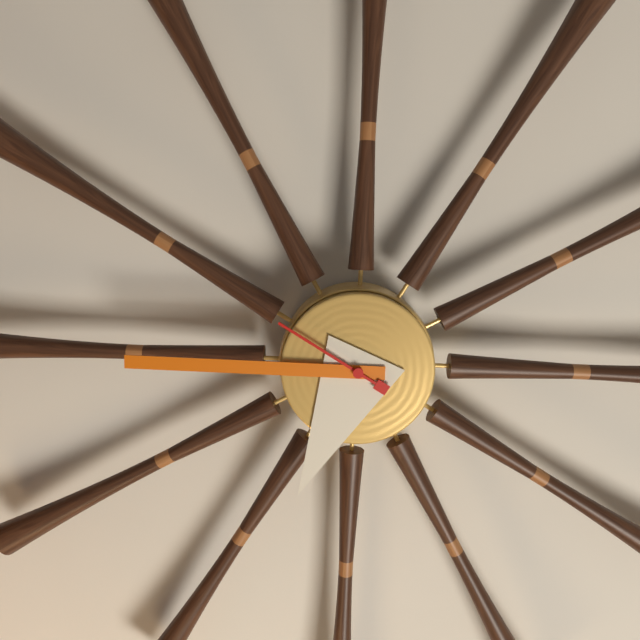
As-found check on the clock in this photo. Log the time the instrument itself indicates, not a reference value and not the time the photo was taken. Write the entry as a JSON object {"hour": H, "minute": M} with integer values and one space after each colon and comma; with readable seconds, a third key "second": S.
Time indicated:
{"hour": 6, "minute": 45, "second": 50}
